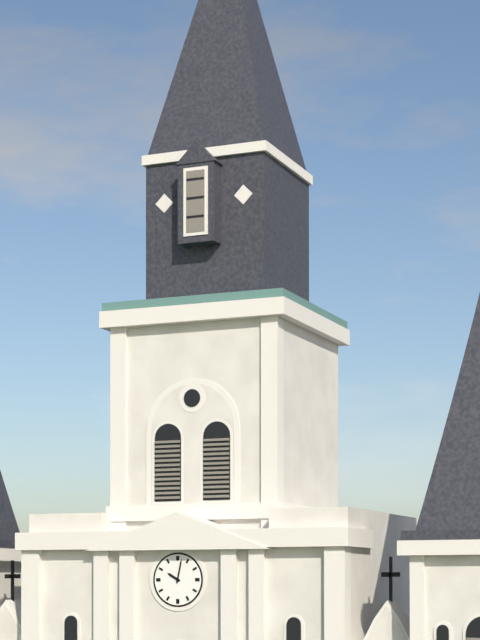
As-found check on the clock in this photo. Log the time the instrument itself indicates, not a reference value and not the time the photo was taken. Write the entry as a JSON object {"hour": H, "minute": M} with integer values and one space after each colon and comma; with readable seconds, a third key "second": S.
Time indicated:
{"hour": 10, "minute": 2}
